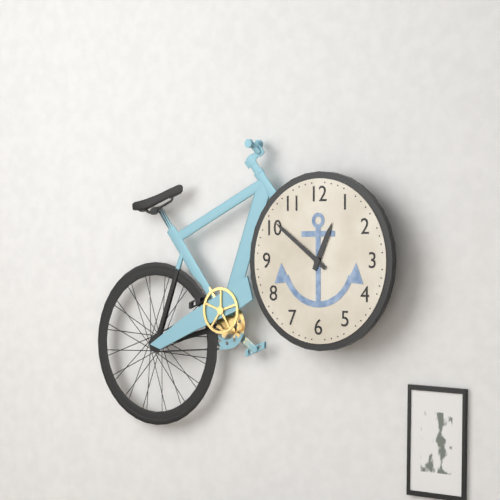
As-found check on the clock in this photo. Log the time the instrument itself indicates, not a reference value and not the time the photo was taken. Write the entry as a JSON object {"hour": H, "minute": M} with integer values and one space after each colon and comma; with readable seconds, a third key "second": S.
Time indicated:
{"hour": 12, "minute": 51}
